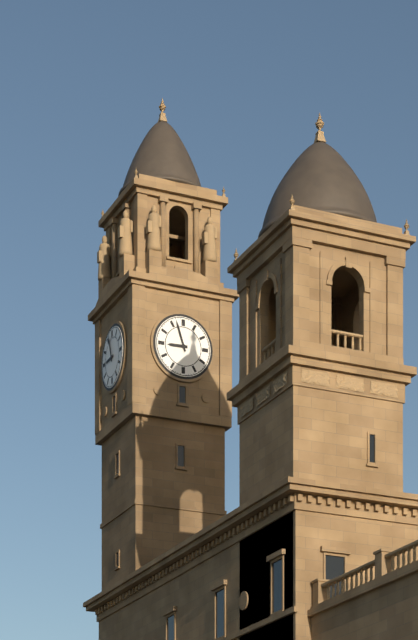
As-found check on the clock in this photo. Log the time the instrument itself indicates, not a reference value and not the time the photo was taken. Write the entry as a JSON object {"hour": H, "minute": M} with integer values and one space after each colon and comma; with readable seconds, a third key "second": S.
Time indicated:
{"hour": 8, "minute": 57}
